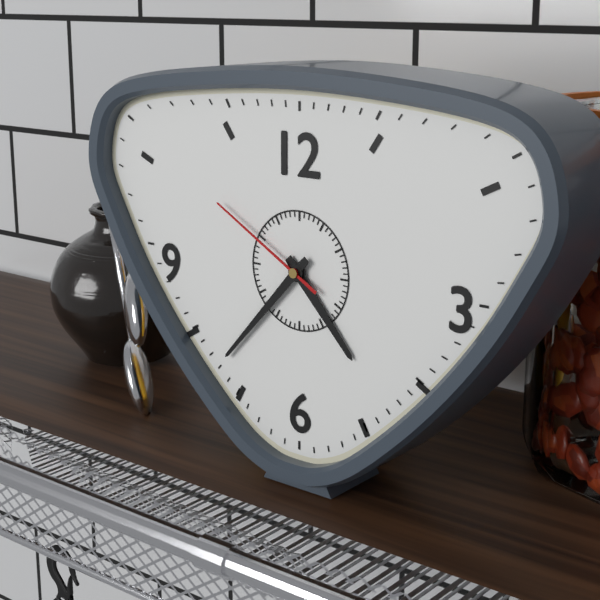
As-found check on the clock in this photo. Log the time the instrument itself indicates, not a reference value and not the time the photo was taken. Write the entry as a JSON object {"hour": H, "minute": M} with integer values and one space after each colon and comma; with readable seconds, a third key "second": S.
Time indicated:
{"hour": 4, "minute": 37, "second": 50}
